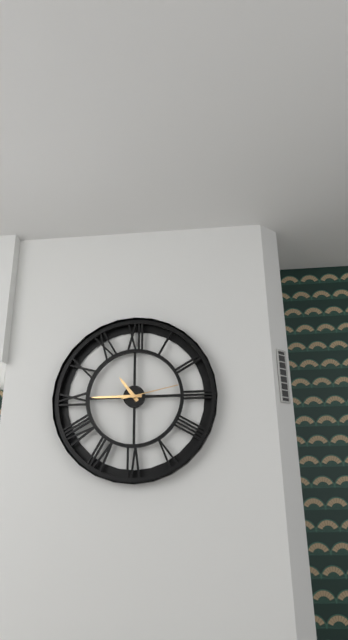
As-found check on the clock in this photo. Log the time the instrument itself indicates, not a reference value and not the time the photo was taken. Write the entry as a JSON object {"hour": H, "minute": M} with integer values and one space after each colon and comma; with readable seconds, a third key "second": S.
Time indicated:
{"hour": 10, "minute": 45, "second": 13}
